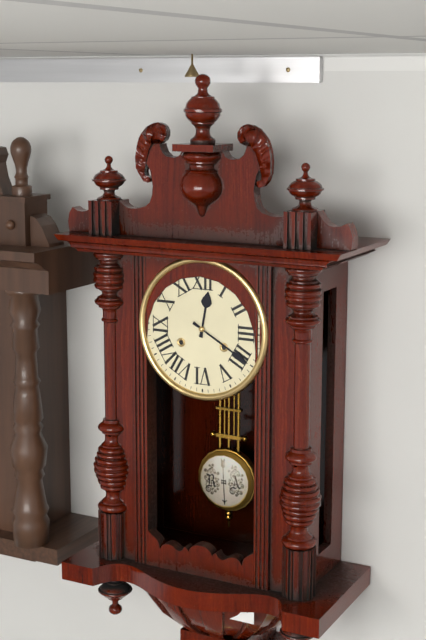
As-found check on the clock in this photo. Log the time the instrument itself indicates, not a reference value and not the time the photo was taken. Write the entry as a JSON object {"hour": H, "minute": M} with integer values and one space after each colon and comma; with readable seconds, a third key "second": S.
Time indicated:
{"hour": 12, "minute": 20}
